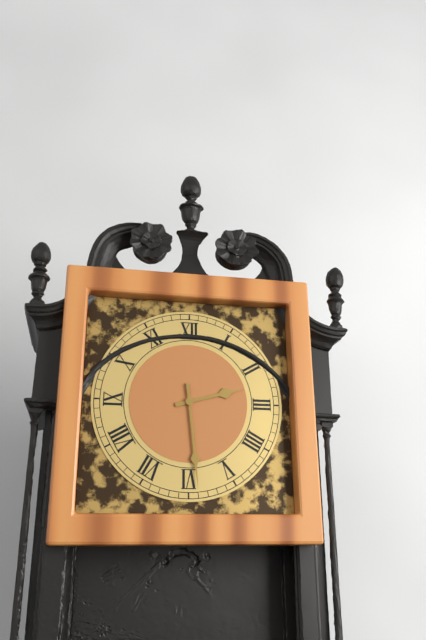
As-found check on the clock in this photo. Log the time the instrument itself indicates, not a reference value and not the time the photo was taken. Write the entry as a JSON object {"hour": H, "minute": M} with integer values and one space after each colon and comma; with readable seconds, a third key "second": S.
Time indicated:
{"hour": 2, "minute": 29}
